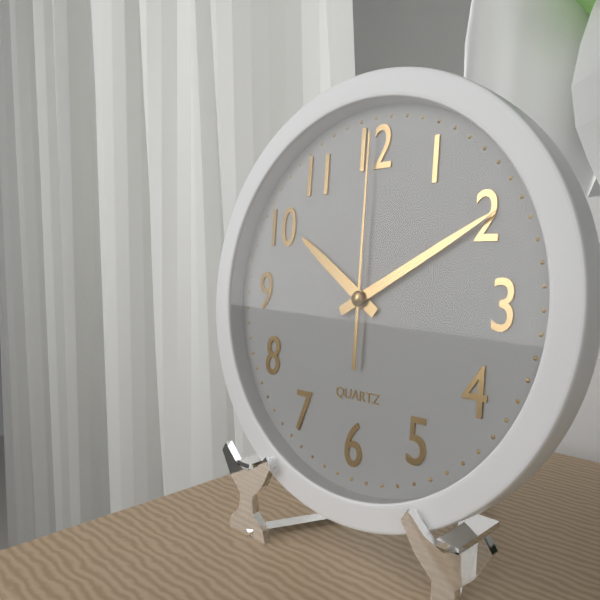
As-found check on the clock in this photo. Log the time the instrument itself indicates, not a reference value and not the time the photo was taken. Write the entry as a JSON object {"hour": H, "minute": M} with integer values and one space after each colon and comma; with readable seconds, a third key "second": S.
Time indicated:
{"hour": 10, "minute": 10, "second": 0}
